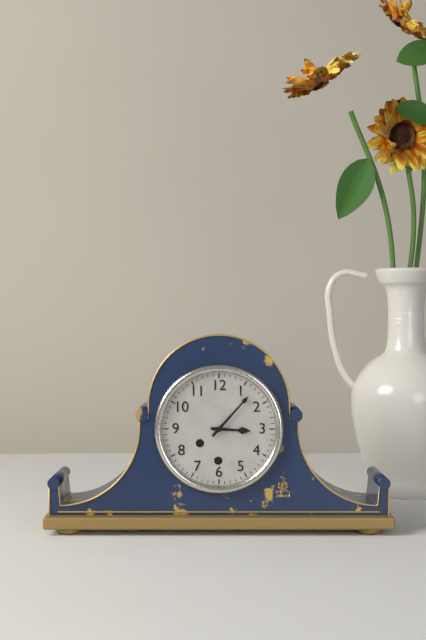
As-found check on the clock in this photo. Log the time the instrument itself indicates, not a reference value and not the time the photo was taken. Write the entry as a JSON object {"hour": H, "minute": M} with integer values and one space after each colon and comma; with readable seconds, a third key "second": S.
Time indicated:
{"hour": 3, "minute": 7}
